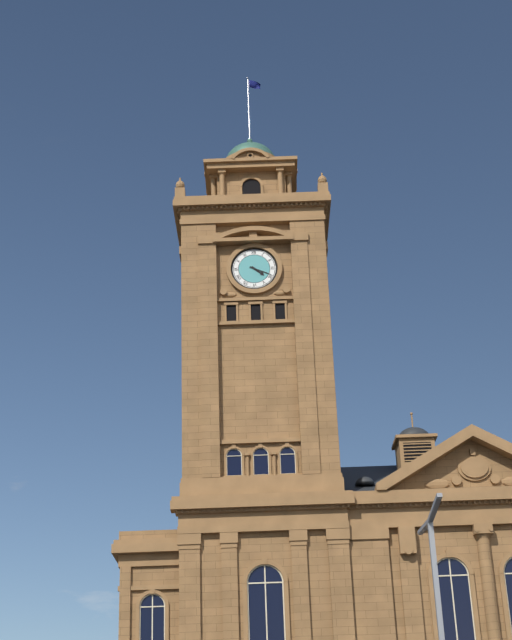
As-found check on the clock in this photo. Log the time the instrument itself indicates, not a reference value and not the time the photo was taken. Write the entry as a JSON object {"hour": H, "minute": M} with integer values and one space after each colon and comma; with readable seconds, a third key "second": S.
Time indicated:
{"hour": 4, "minute": 19}
